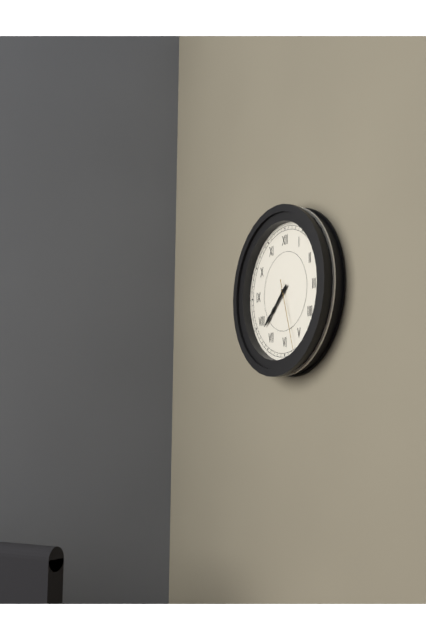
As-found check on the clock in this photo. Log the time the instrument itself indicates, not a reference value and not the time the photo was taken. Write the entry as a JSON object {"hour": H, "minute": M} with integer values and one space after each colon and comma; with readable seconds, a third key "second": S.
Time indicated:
{"hour": 7, "minute": 38, "second": 27}
